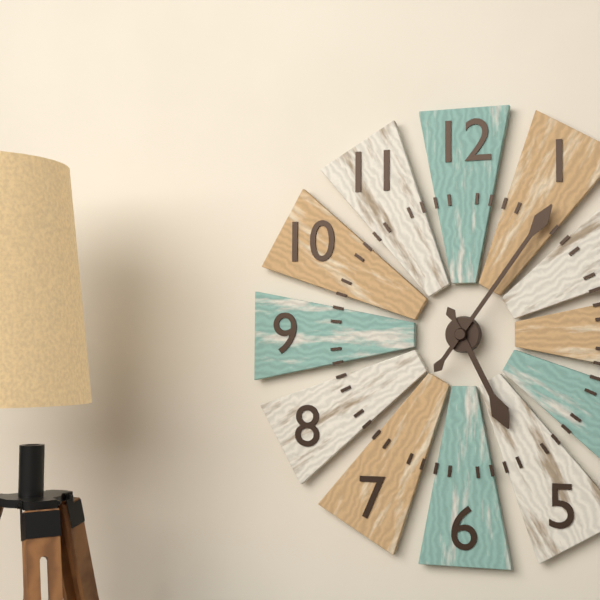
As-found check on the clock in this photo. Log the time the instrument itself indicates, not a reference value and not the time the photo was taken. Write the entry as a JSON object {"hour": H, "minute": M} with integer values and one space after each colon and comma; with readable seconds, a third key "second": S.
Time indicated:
{"hour": 5, "minute": 6}
